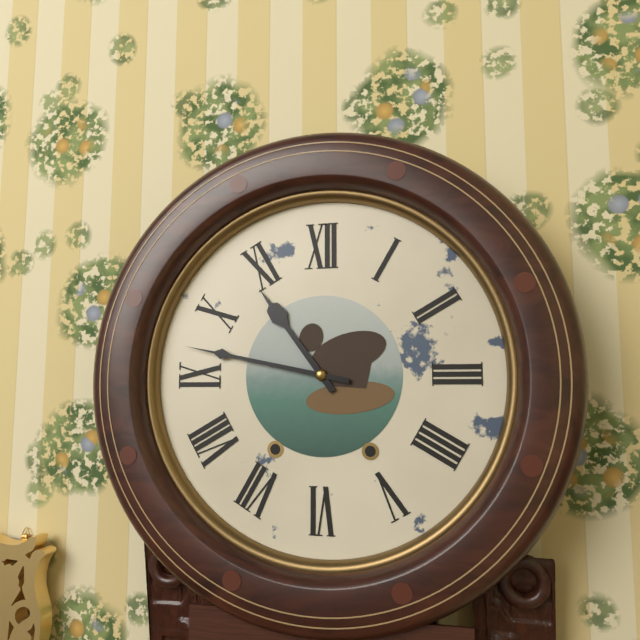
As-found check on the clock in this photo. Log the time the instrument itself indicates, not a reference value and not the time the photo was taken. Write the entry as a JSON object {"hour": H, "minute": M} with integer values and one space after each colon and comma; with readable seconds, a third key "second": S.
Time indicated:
{"hour": 10, "minute": 47}
